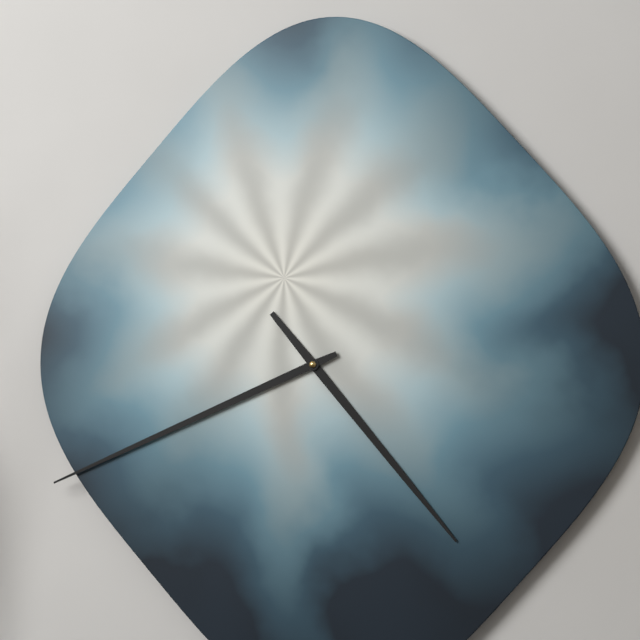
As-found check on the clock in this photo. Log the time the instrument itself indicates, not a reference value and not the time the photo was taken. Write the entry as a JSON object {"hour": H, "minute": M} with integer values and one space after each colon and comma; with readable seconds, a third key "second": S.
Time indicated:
{"hour": 4, "minute": 41}
